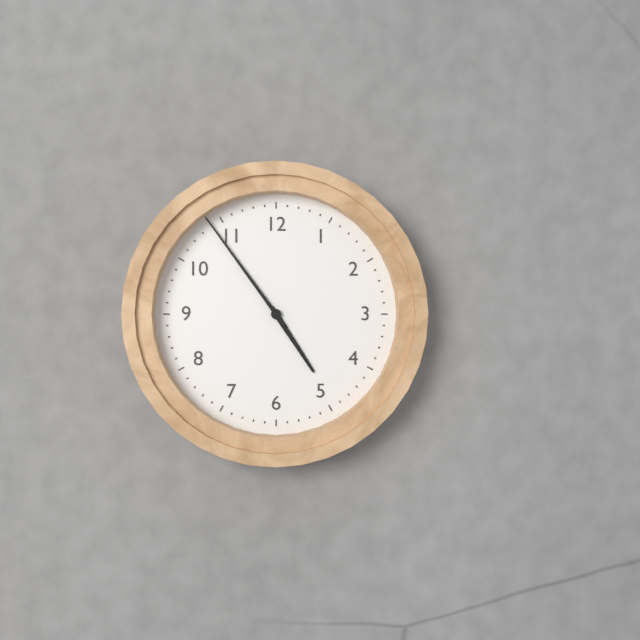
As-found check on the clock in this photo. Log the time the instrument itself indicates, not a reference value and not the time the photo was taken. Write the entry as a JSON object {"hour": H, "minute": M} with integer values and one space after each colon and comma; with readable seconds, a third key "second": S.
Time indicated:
{"hour": 4, "minute": 54}
